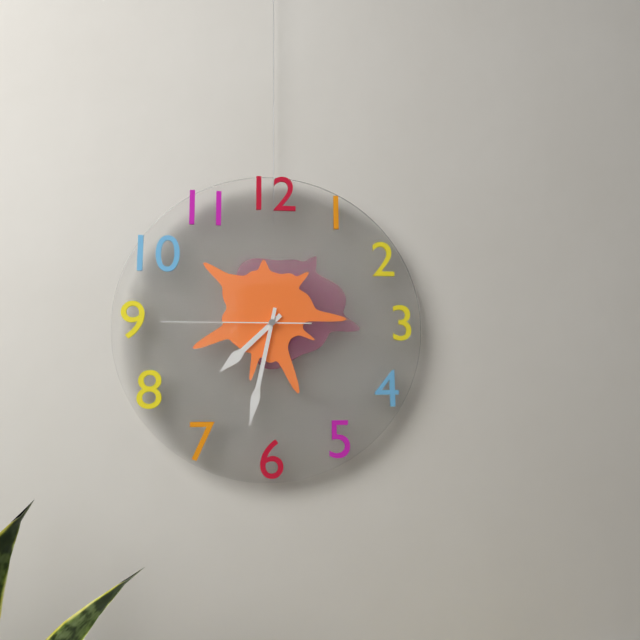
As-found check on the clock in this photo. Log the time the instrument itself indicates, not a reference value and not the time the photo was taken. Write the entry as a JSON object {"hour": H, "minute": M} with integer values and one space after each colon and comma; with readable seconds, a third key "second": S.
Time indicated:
{"hour": 7, "minute": 32, "second": 45}
